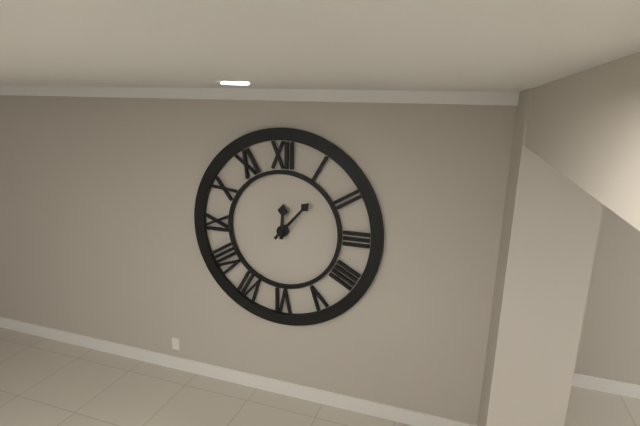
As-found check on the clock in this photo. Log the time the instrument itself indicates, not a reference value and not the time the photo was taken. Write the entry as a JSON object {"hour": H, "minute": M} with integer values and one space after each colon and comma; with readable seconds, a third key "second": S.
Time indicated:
{"hour": 12, "minute": 7}
